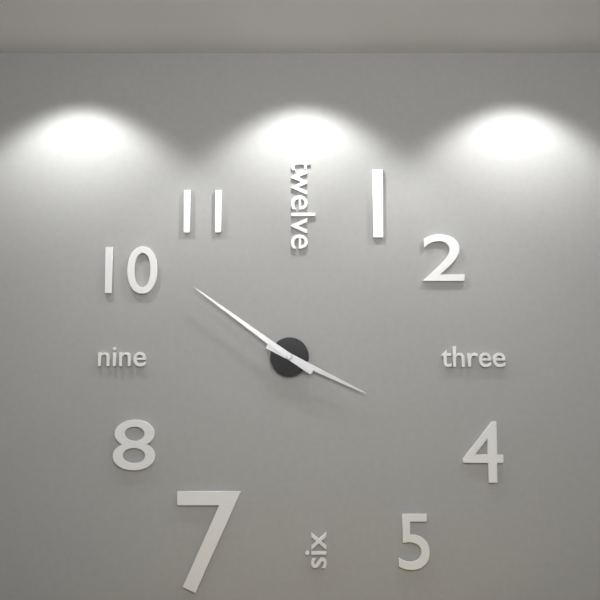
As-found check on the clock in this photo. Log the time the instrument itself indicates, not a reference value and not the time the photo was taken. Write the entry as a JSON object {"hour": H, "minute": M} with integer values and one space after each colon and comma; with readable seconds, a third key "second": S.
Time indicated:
{"hour": 3, "minute": 51}
